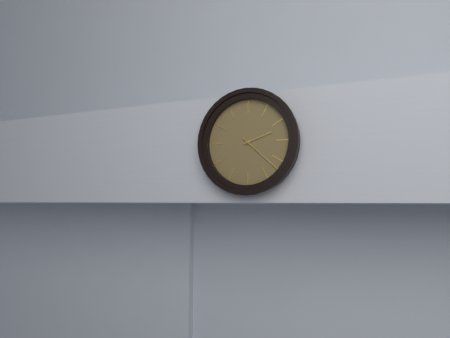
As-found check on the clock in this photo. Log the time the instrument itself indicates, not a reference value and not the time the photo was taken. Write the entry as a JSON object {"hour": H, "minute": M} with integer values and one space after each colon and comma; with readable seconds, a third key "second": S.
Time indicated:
{"hour": 2, "minute": 22}
